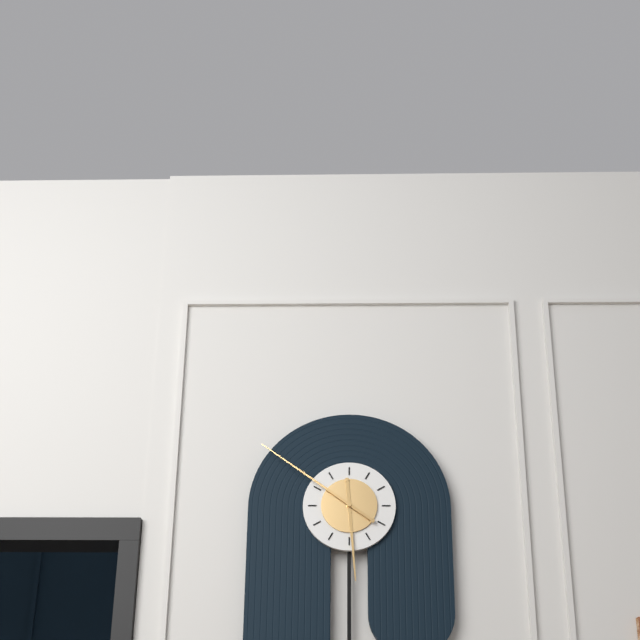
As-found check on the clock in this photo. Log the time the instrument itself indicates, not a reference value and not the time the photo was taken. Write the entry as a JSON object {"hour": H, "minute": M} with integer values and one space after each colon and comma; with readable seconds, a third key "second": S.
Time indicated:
{"hour": 5, "minute": 51}
